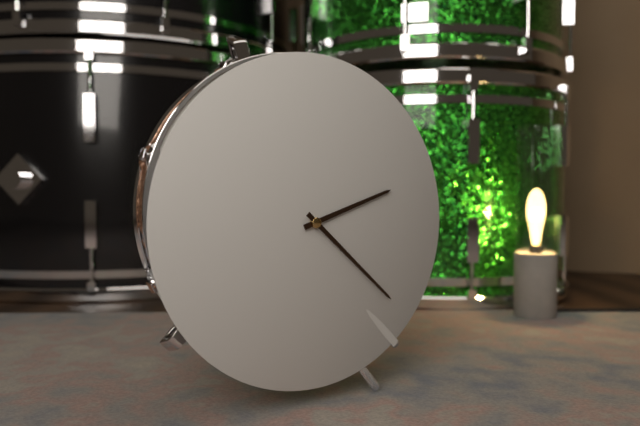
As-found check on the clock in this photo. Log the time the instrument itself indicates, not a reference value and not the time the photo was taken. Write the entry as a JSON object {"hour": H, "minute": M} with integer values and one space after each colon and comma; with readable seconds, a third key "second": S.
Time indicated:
{"hour": 2, "minute": 22}
